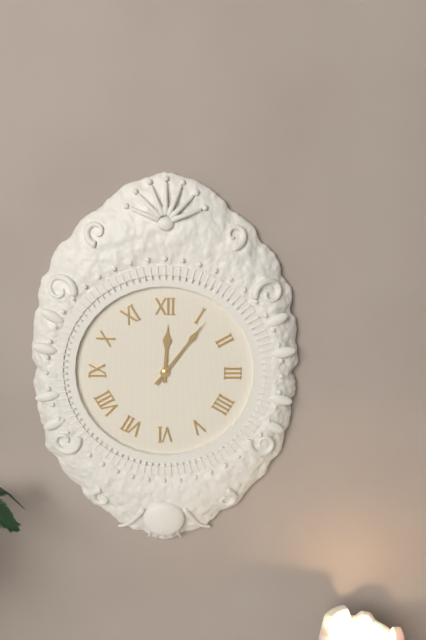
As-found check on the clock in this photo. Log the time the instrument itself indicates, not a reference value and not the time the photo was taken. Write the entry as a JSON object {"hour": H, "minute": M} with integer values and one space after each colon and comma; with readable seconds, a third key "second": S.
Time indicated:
{"hour": 12, "minute": 6}
